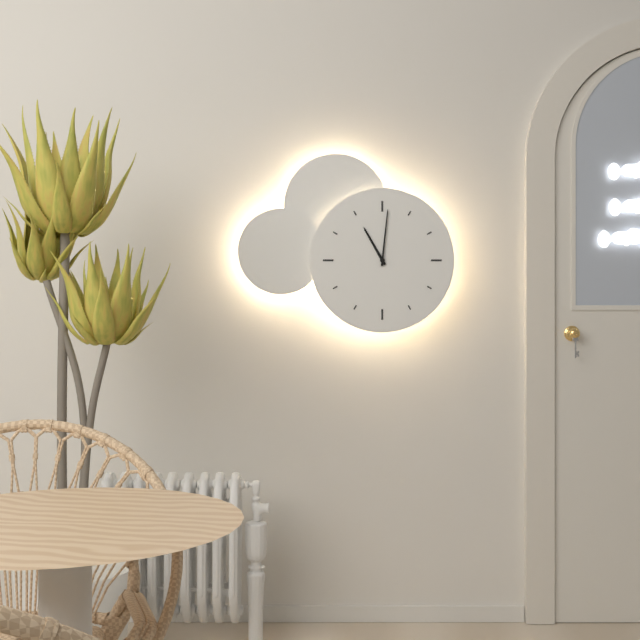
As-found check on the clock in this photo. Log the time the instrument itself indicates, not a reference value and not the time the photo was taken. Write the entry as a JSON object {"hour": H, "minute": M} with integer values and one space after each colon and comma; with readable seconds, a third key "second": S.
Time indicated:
{"hour": 11, "minute": 1}
